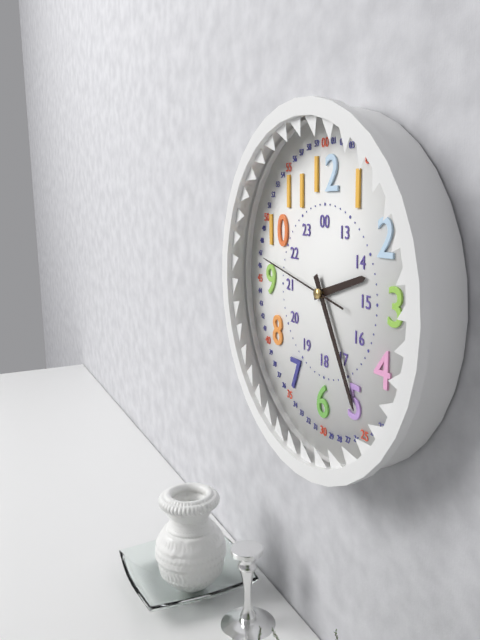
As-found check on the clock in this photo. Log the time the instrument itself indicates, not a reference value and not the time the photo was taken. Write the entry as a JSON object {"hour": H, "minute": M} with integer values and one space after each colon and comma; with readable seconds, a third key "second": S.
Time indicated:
{"hour": 2, "minute": 25, "second": 47}
